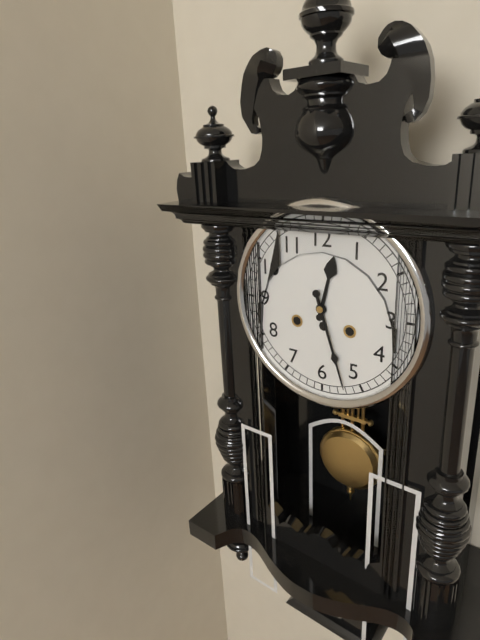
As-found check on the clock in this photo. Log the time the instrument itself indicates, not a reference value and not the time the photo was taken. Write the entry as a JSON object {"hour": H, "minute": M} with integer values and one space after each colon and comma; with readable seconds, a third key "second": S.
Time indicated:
{"hour": 12, "minute": 27}
